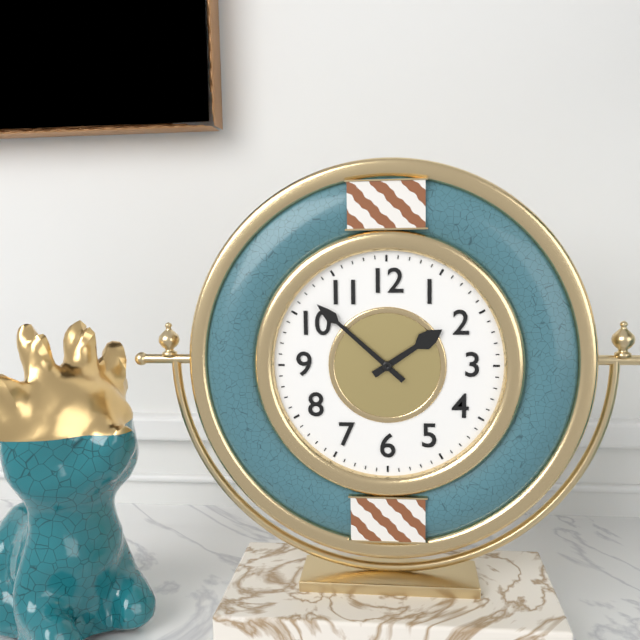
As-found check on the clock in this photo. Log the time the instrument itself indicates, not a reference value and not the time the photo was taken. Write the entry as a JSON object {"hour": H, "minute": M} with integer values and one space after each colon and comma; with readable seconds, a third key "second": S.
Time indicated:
{"hour": 1, "minute": 52}
